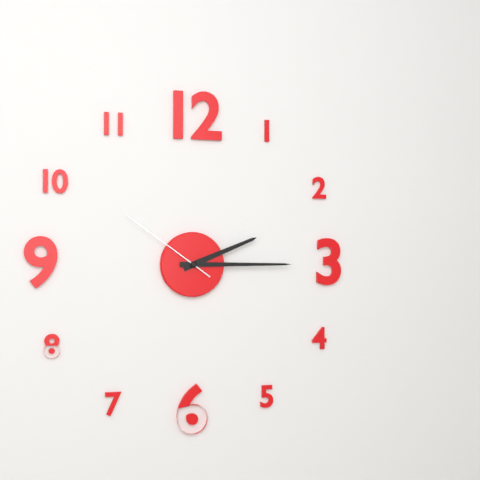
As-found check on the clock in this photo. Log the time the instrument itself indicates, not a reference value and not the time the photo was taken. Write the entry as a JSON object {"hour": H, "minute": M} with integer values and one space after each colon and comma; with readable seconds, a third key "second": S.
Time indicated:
{"hour": 2, "minute": 15, "second": 51}
